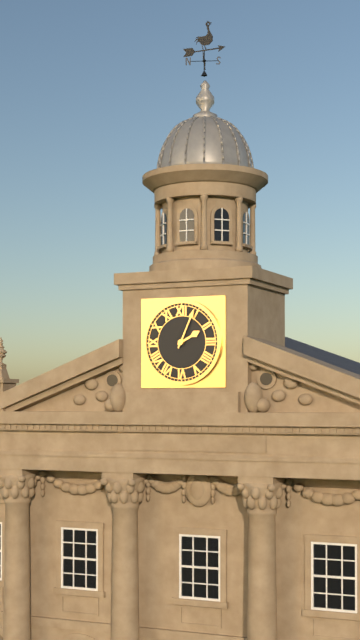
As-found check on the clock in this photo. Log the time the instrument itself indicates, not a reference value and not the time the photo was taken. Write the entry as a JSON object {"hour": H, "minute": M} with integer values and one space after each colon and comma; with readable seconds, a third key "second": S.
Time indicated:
{"hour": 2, "minute": 4}
